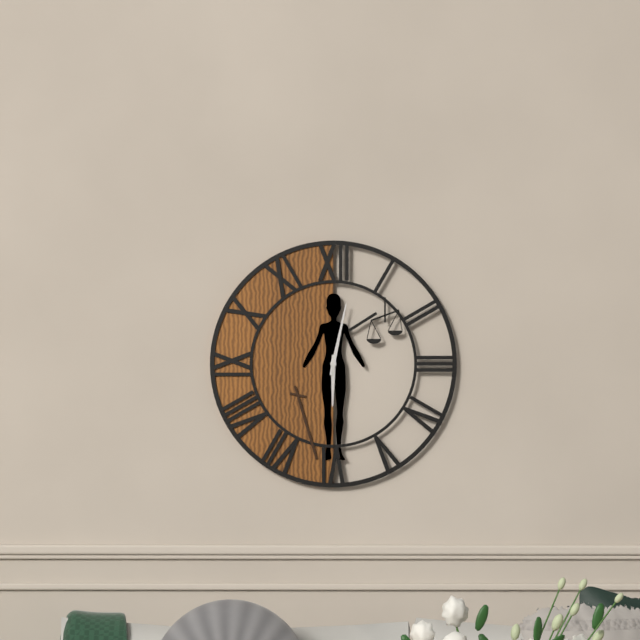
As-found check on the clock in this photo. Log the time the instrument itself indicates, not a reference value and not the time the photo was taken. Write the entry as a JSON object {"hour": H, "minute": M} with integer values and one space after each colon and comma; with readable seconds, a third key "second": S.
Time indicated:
{"hour": 6, "minute": 2}
